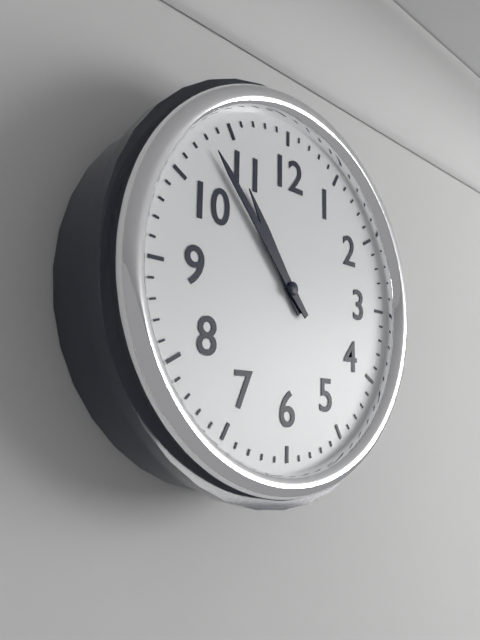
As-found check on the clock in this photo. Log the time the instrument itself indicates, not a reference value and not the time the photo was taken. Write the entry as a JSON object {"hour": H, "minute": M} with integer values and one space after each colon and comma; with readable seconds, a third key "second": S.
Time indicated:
{"hour": 10, "minute": 53}
